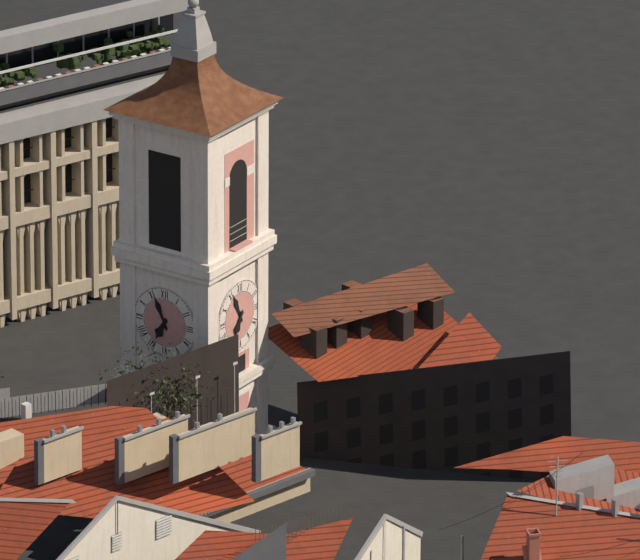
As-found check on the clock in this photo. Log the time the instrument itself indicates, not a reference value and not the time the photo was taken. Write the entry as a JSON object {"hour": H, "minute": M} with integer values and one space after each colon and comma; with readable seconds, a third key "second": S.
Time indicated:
{"hour": 6, "minute": 56}
